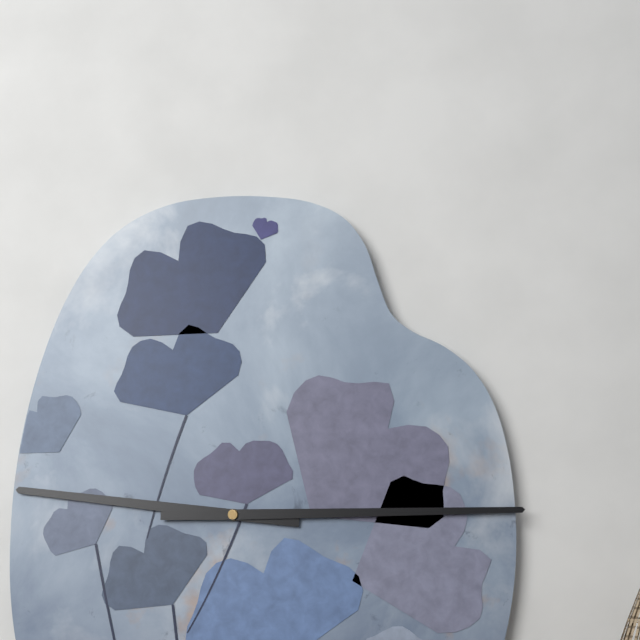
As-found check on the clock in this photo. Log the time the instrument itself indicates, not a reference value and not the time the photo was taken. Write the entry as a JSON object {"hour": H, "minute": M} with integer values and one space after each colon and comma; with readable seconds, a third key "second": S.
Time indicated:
{"hour": 9, "minute": 15}
